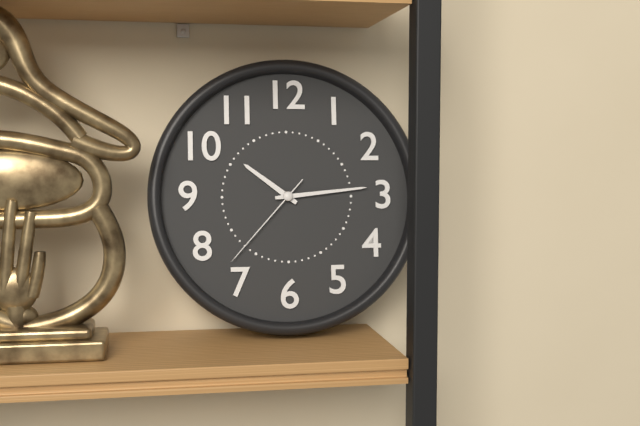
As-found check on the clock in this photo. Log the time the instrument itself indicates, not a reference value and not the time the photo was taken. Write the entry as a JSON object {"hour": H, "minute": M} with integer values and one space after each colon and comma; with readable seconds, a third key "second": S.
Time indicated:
{"hour": 10, "minute": 14, "second": 37}
